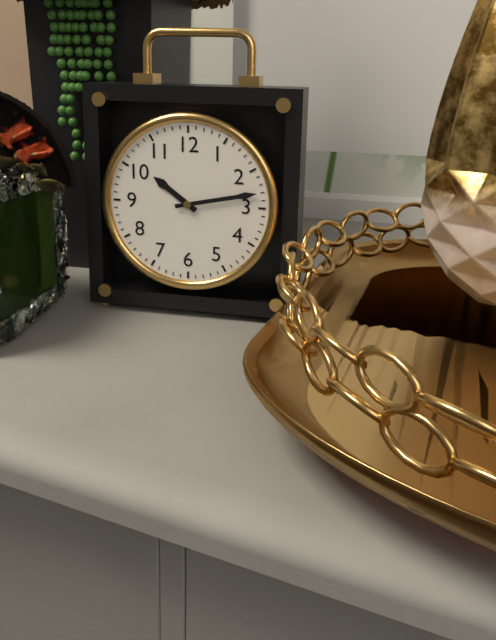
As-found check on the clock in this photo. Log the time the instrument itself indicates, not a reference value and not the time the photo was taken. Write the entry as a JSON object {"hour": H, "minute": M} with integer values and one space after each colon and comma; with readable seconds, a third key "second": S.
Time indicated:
{"hour": 10, "minute": 13}
